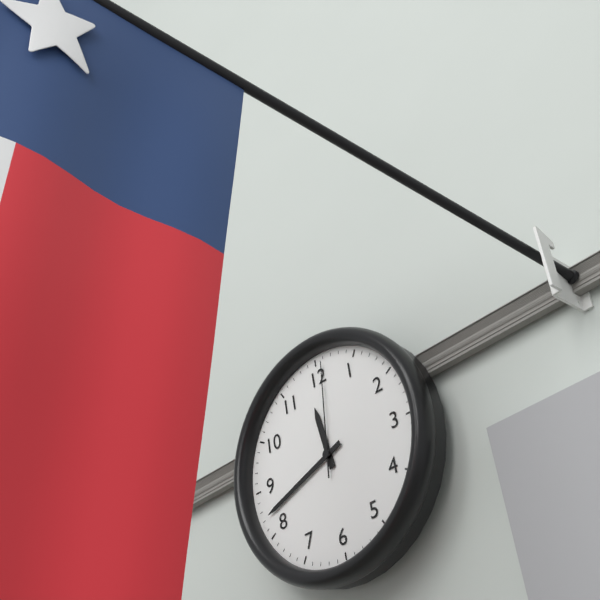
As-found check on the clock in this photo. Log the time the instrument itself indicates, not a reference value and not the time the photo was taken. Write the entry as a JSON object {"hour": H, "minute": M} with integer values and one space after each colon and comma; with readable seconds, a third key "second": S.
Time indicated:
{"hour": 11, "minute": 42, "second": 1}
